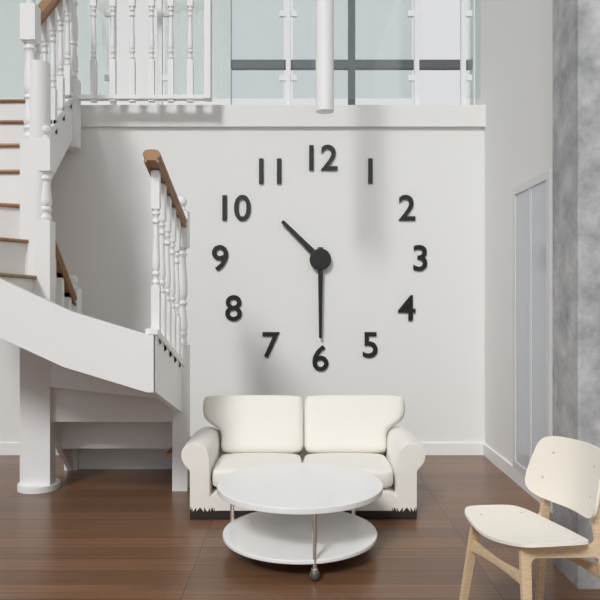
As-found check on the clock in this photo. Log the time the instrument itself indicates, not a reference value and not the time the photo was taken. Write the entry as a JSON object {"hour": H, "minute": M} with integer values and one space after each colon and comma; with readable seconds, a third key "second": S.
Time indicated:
{"hour": 10, "minute": 30}
